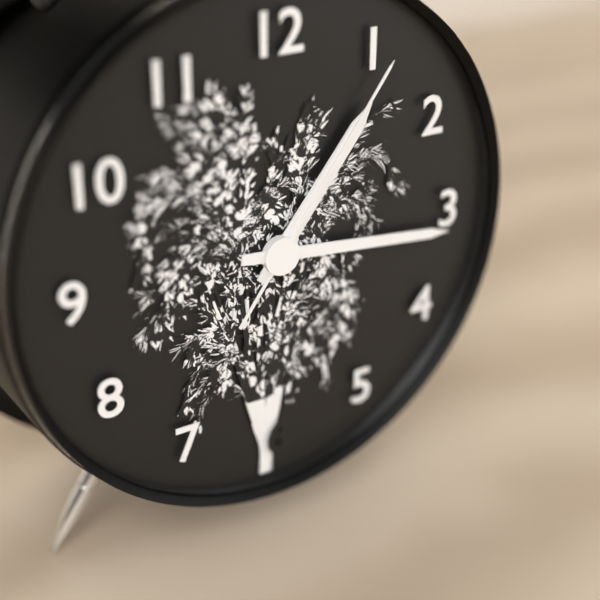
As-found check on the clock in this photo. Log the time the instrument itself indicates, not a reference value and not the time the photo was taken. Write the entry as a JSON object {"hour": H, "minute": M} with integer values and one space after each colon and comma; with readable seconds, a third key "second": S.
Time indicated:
{"hour": 1, "minute": 16, "second": 6}
